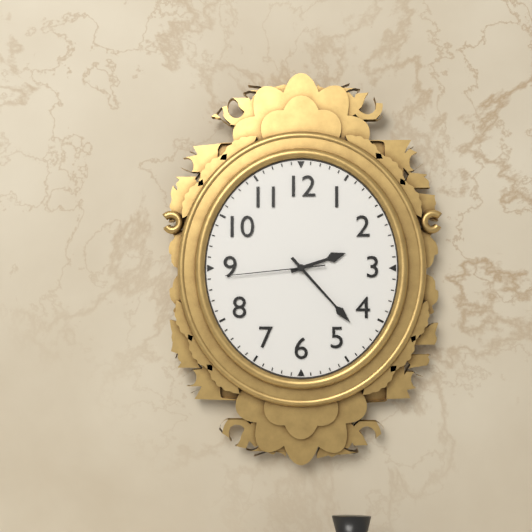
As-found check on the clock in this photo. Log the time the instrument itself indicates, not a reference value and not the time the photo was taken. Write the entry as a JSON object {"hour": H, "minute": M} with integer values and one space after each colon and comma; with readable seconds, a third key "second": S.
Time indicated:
{"hour": 2, "minute": 23, "second": 44}
